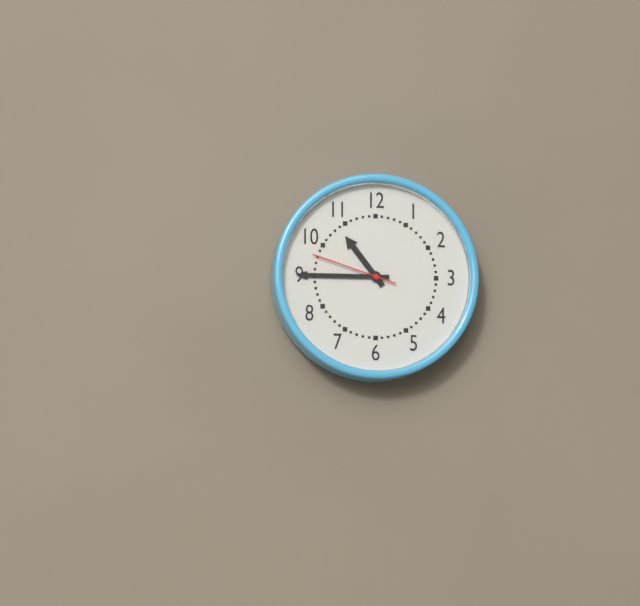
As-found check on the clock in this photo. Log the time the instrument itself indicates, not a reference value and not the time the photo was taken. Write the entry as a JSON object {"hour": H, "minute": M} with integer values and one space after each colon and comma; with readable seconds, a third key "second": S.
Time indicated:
{"hour": 10, "minute": 45, "second": 48}
